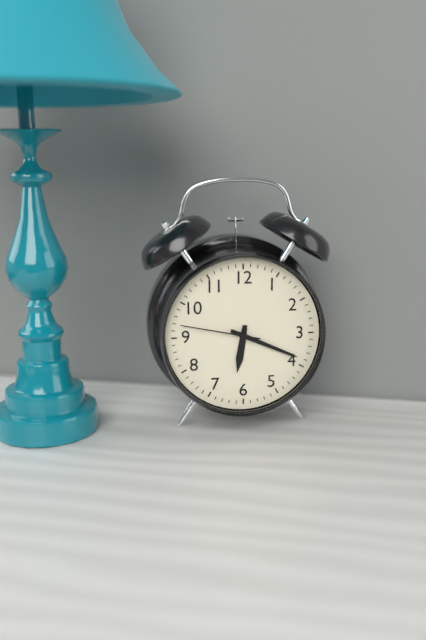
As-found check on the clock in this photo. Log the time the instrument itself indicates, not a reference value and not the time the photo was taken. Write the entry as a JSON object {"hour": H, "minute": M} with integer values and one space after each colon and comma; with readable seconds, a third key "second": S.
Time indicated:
{"hour": 6, "minute": 19, "second": 47}
